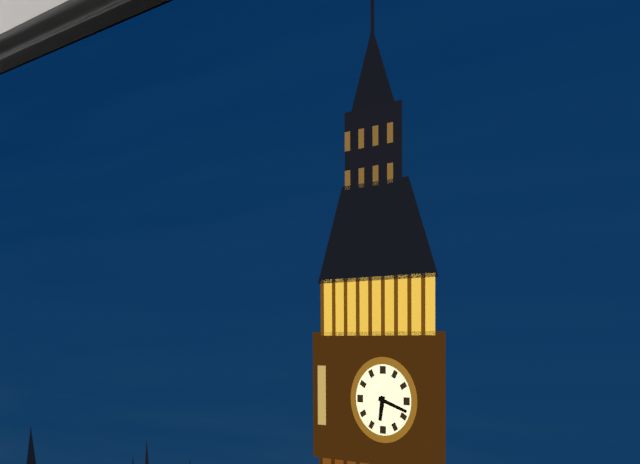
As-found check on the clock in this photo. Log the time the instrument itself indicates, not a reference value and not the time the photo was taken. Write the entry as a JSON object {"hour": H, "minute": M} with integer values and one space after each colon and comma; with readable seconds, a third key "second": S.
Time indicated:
{"hour": 6, "minute": 18}
